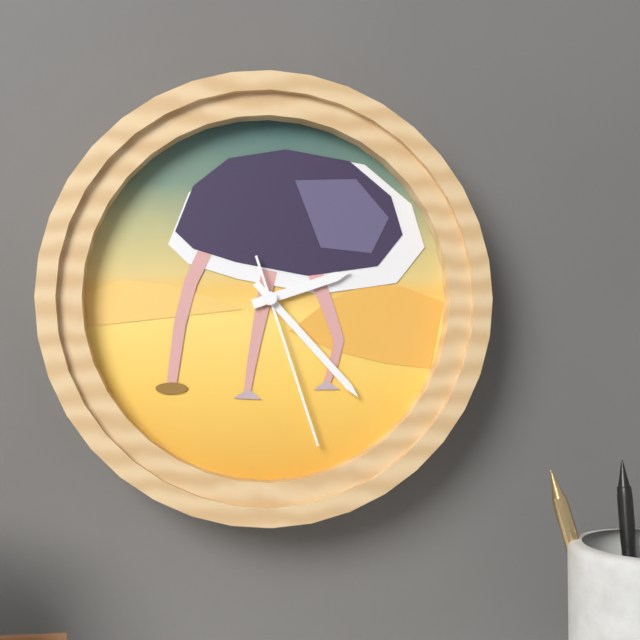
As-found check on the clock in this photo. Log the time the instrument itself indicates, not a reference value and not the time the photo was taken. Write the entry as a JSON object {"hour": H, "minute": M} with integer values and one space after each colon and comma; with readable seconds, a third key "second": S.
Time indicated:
{"hour": 2, "minute": 23, "second": 27}
